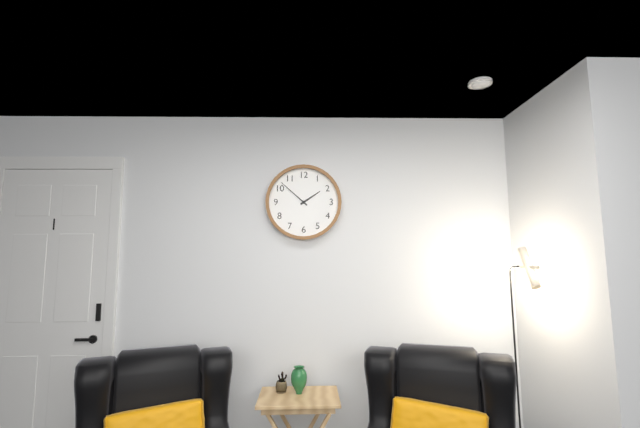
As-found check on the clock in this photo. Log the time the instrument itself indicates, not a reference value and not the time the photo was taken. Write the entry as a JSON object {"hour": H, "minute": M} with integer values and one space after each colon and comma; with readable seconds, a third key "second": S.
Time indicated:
{"hour": 1, "minute": 52}
